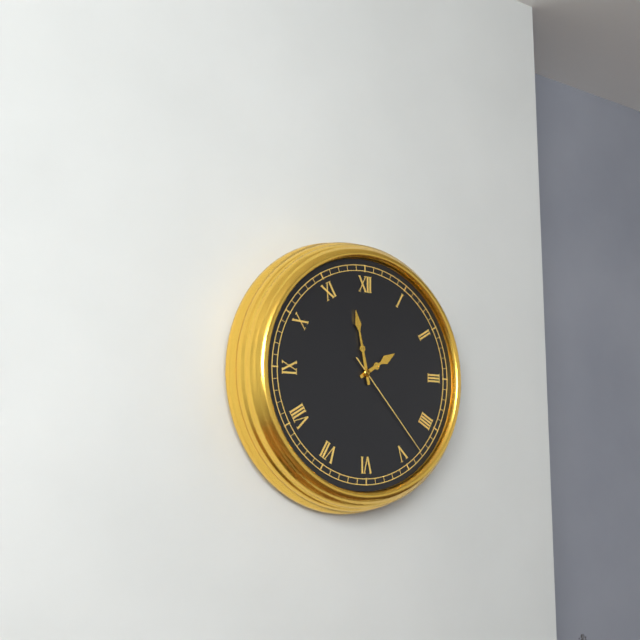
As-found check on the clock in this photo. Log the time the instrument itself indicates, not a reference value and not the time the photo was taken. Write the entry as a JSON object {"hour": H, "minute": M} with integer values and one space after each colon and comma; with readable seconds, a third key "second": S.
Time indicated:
{"hour": 1, "minute": 58, "second": 23}
